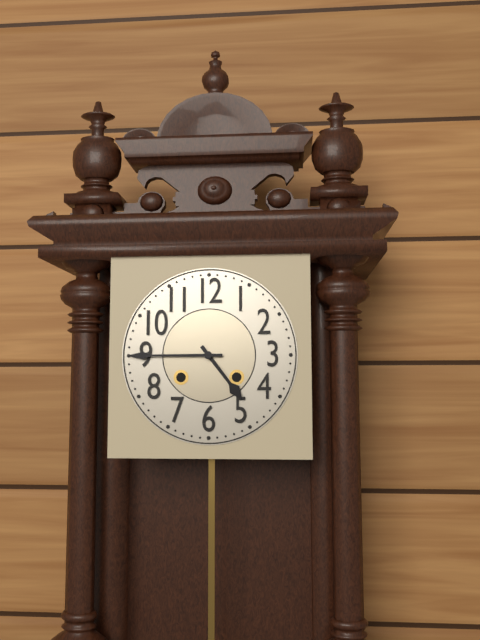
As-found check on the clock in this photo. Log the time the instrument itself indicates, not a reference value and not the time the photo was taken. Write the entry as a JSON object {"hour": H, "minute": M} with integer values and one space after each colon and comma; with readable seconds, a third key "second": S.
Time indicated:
{"hour": 4, "minute": 45}
